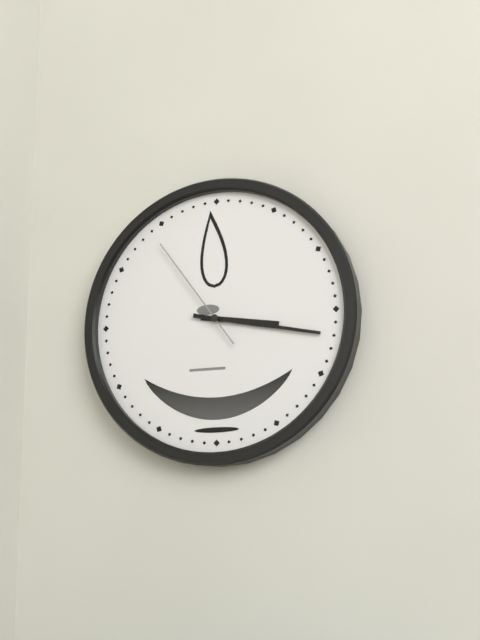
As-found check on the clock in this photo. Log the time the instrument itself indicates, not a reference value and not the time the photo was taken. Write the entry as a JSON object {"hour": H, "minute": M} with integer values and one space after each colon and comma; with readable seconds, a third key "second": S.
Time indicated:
{"hour": 3, "minute": 17, "second": 54}
